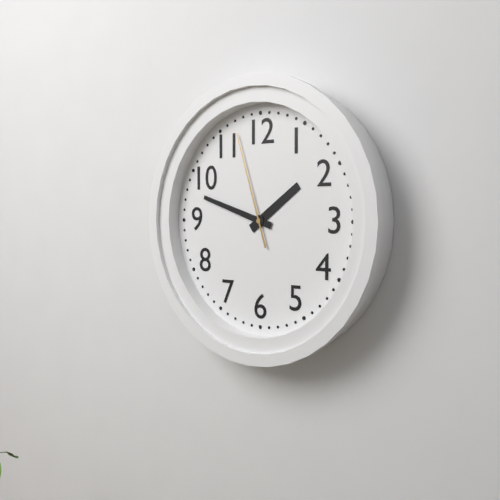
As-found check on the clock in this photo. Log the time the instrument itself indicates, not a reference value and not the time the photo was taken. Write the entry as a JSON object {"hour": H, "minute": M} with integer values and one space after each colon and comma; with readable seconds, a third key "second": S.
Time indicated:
{"hour": 1, "minute": 48, "second": 57}
